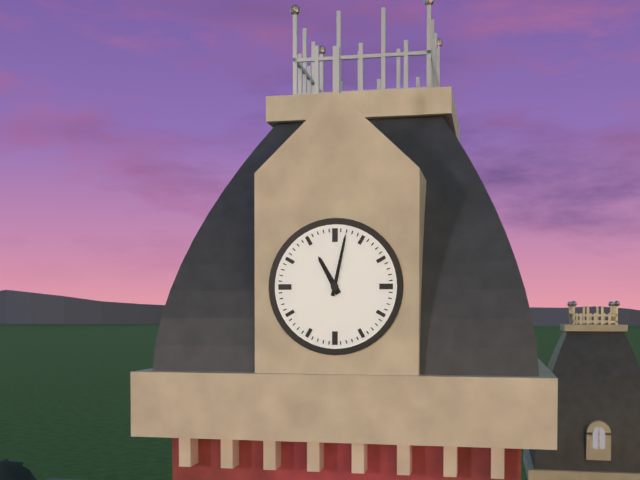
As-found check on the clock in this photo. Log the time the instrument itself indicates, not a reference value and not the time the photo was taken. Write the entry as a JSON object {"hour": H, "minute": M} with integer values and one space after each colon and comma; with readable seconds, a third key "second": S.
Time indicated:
{"hour": 11, "minute": 2}
